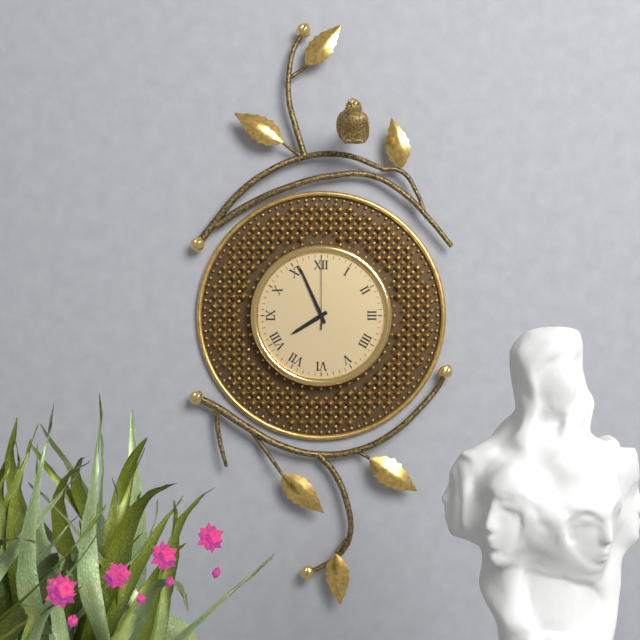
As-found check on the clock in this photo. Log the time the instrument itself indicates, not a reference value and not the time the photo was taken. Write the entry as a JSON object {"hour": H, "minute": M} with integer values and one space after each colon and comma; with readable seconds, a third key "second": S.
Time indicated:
{"hour": 7, "minute": 56, "second": 0}
